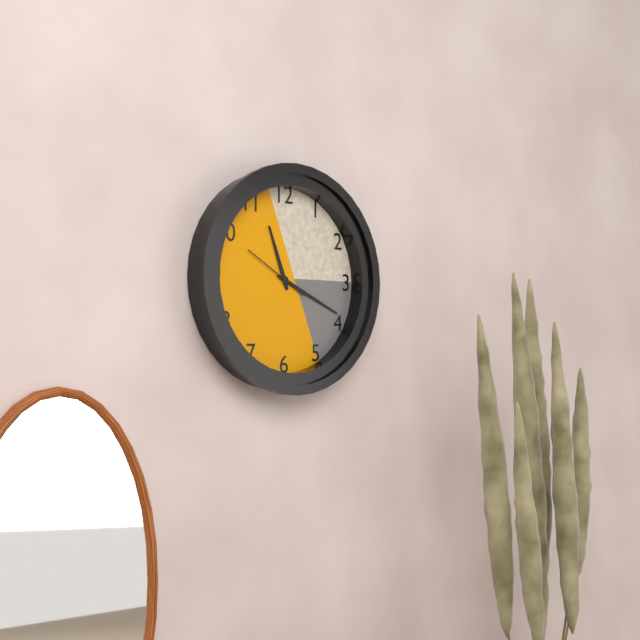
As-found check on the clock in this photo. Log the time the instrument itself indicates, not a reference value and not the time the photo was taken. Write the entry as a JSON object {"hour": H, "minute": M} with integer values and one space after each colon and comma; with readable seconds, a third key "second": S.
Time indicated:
{"hour": 11, "minute": 19, "second": 50}
